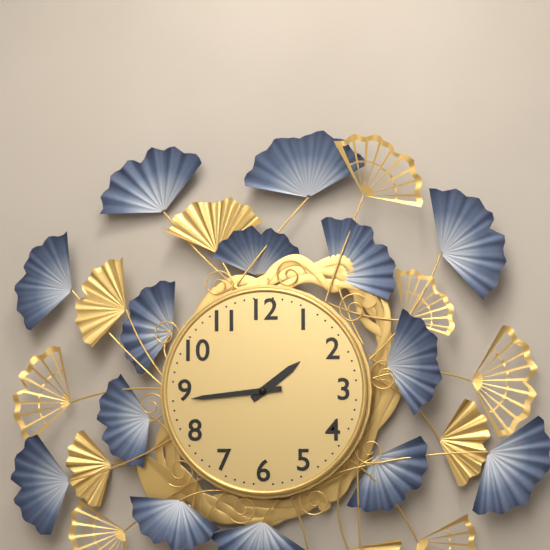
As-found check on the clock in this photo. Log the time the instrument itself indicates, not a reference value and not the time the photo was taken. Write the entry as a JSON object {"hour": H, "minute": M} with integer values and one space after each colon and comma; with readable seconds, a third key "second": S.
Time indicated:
{"hour": 1, "minute": 44}
